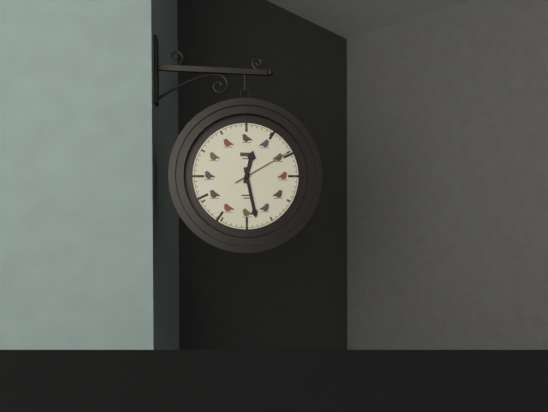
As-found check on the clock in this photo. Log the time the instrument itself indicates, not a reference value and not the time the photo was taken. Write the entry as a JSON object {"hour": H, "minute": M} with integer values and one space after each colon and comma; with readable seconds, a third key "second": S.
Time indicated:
{"hour": 12, "minute": 28, "second": 10}
